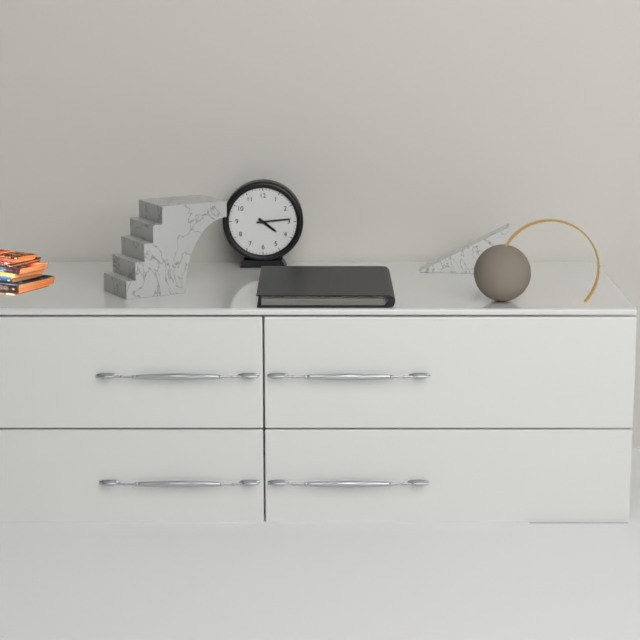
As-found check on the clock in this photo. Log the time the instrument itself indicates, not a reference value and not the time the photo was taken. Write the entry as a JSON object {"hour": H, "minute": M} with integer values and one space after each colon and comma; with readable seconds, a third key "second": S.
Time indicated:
{"hour": 4, "minute": 14}
